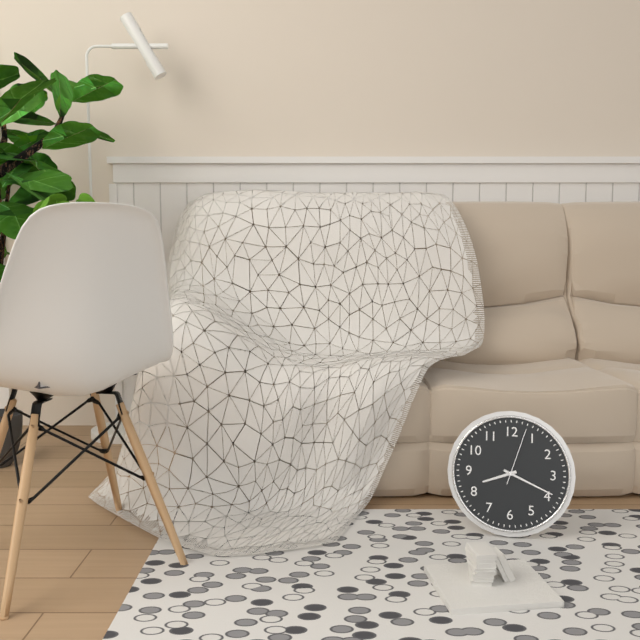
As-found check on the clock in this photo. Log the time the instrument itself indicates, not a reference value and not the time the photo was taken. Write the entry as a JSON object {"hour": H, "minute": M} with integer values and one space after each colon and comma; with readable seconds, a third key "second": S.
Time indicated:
{"hour": 8, "minute": 19, "second": 3}
